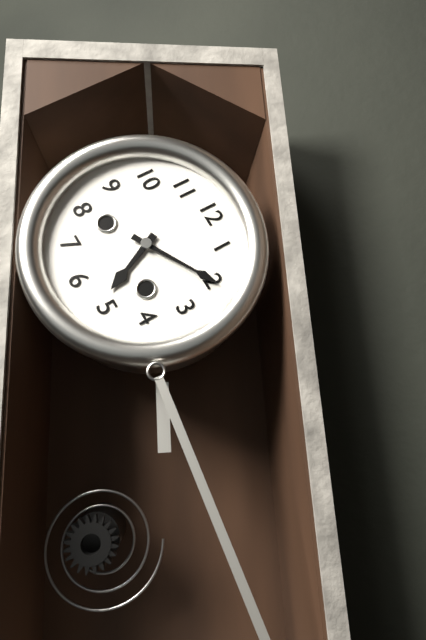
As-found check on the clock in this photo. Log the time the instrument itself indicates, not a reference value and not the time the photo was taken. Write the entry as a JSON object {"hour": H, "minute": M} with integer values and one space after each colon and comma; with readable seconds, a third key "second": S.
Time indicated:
{"hour": 5, "minute": 10}
